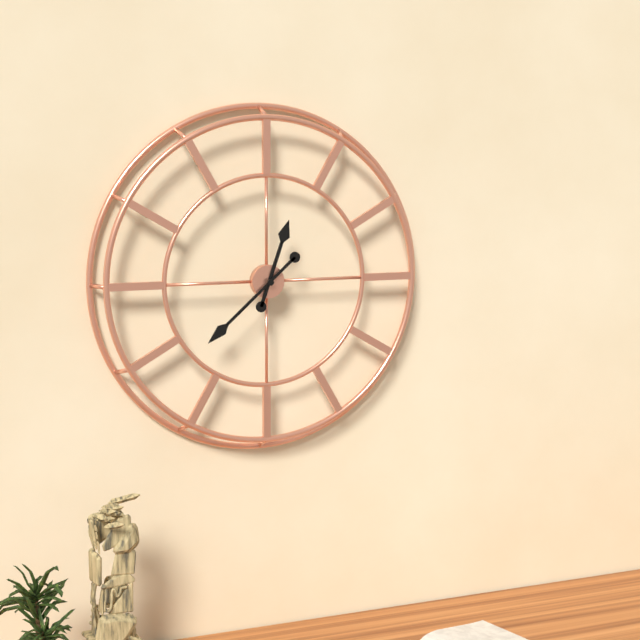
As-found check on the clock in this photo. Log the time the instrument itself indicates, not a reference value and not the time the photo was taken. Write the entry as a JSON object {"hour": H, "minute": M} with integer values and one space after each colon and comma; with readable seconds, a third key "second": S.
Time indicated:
{"hour": 12, "minute": 38}
